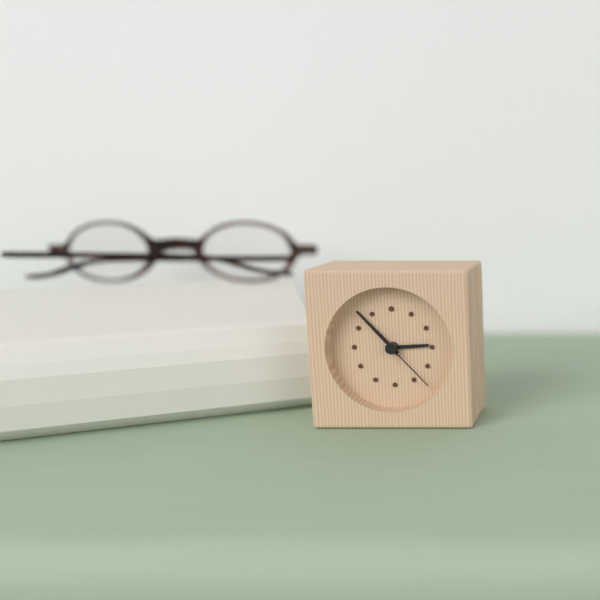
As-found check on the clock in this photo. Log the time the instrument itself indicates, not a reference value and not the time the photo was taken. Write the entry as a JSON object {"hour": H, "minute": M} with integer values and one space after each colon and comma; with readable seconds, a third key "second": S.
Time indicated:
{"hour": 2, "minute": 53, "second": 23}
